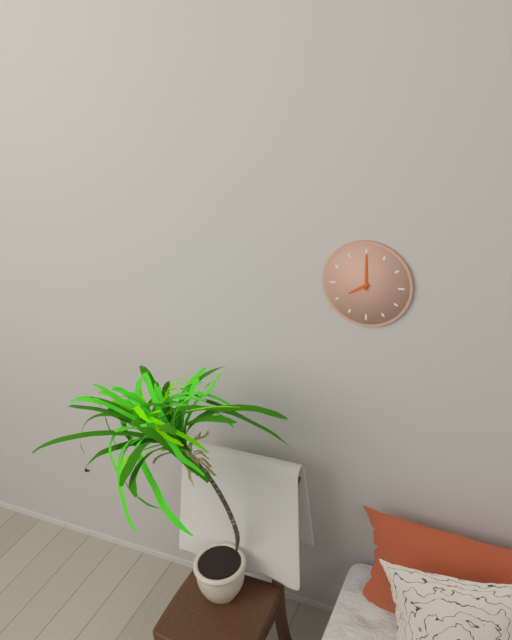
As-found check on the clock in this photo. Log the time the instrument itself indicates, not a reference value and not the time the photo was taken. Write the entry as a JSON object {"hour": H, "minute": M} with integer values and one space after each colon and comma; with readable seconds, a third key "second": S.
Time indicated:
{"hour": 8, "minute": 0}
